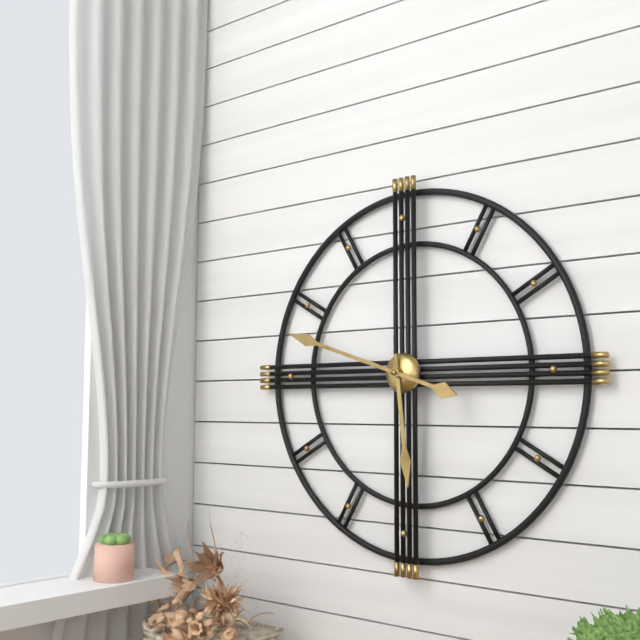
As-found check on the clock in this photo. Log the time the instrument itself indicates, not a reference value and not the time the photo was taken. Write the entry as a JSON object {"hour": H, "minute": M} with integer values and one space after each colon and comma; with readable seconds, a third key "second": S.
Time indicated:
{"hour": 5, "minute": 48}
